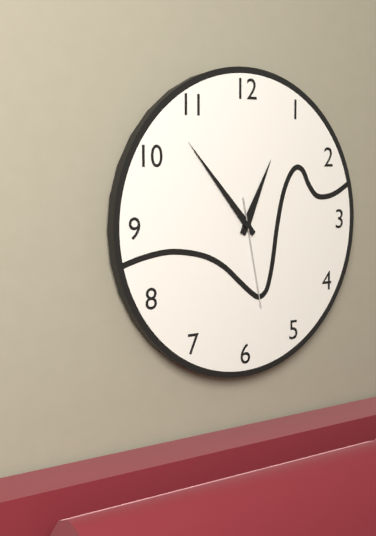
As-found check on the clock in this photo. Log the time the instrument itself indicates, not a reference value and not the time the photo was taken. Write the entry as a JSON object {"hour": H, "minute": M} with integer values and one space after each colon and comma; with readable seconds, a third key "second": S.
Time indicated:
{"hour": 12, "minute": 53, "second": 28}
